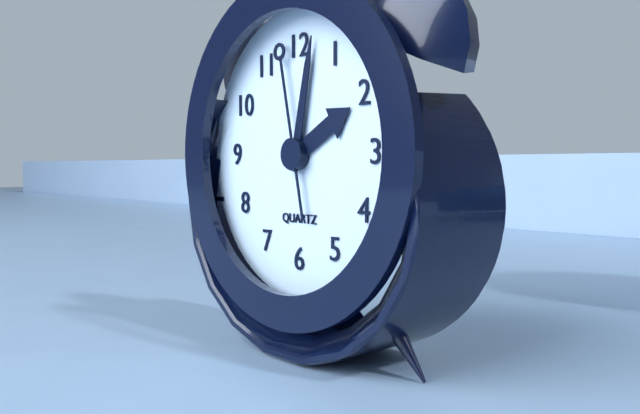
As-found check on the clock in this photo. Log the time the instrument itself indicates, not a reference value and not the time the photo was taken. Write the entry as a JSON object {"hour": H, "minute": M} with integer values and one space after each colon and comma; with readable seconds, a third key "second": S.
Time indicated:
{"hour": 2, "minute": 2, "second": 58}
